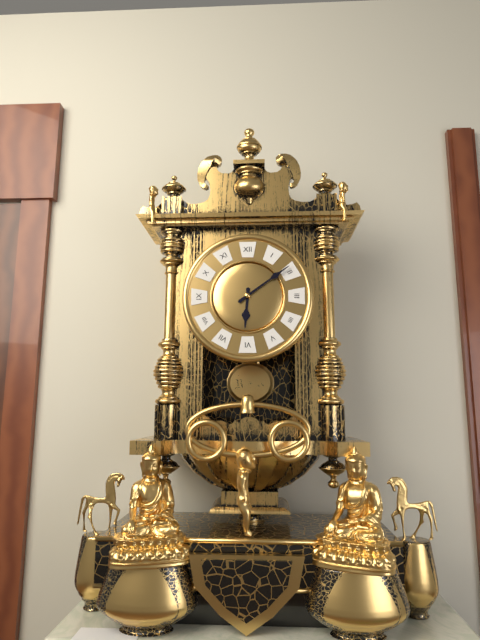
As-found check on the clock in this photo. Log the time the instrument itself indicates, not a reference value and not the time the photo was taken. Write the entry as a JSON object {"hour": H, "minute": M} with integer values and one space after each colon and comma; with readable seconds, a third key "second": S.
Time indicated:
{"hour": 6, "minute": 9}
